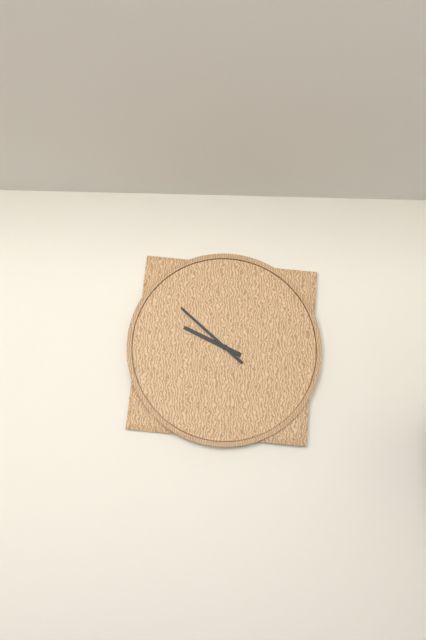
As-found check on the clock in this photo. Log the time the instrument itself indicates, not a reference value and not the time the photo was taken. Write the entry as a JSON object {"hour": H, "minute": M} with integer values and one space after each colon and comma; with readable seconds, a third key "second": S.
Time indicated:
{"hour": 9, "minute": 52}
